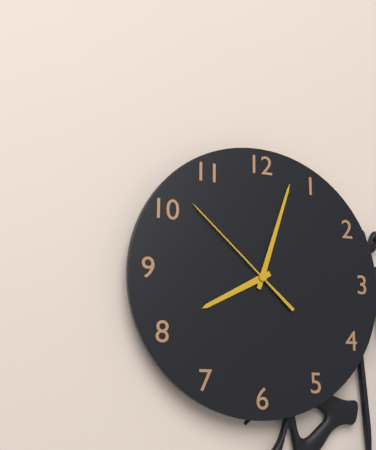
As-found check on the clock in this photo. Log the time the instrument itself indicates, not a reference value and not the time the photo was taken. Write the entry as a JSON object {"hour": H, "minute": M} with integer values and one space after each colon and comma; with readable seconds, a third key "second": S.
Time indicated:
{"hour": 8, "minute": 3, "second": 52}
